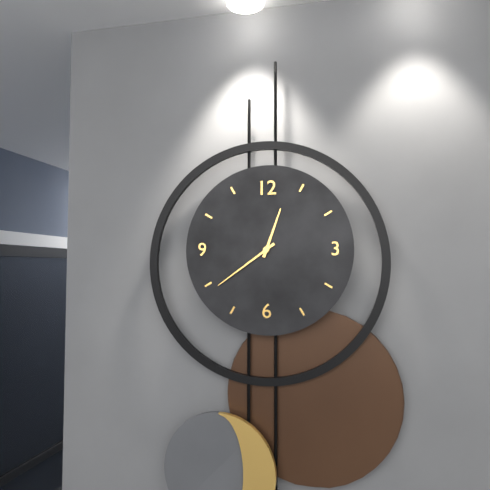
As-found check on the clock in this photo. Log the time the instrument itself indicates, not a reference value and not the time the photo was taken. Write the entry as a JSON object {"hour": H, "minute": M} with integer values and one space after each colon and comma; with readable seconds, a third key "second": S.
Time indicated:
{"hour": 12, "minute": 39}
